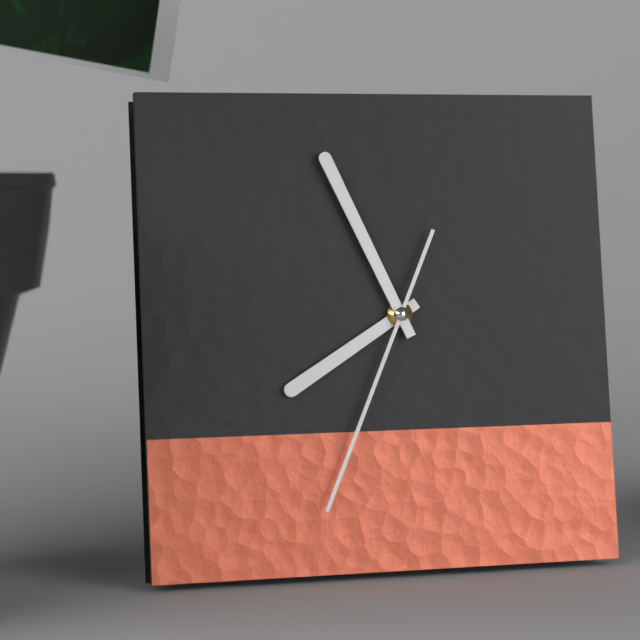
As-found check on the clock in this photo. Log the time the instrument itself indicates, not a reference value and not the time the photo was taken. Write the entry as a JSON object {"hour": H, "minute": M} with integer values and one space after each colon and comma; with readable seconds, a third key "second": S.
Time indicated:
{"hour": 7, "minute": 56, "second": 34}
